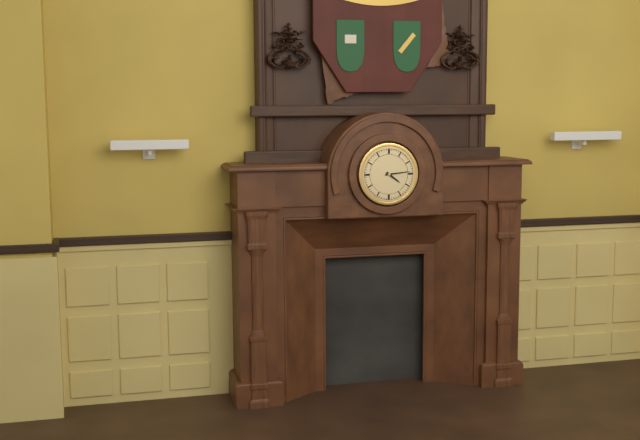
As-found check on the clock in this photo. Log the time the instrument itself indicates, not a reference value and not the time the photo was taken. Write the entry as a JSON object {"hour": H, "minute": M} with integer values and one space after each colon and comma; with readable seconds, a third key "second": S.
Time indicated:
{"hour": 4, "minute": 14}
